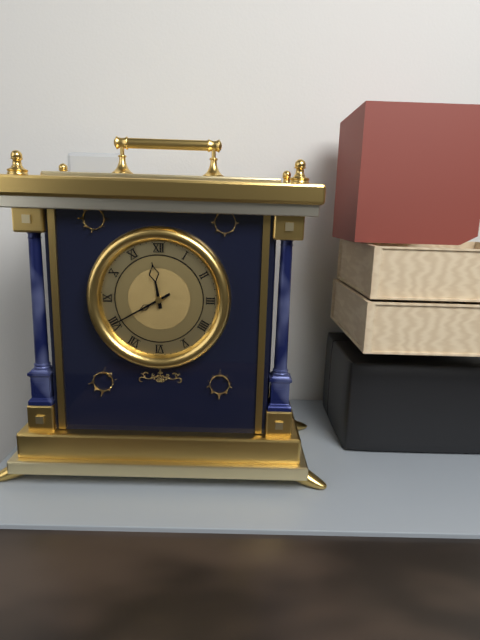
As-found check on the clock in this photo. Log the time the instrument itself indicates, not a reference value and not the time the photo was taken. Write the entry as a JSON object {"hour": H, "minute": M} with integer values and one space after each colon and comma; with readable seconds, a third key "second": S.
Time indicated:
{"hour": 11, "minute": 40}
